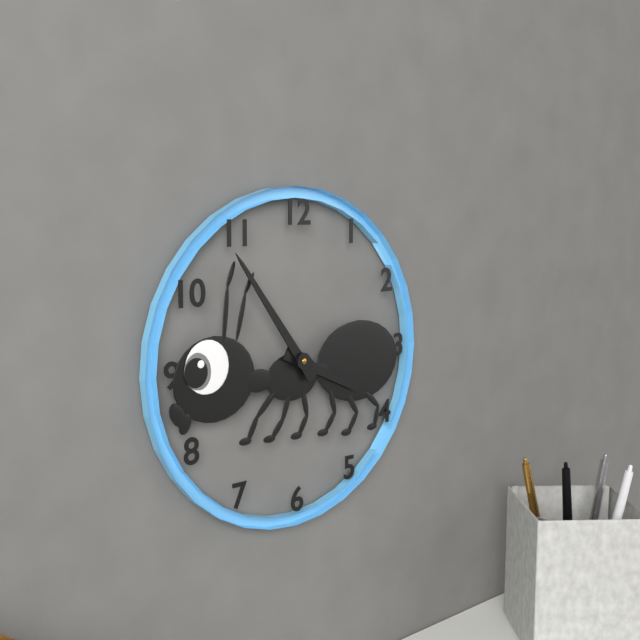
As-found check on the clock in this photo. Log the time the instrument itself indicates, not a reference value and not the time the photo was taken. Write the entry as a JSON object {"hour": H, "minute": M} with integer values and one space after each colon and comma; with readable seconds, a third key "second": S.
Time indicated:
{"hour": 3, "minute": 54}
